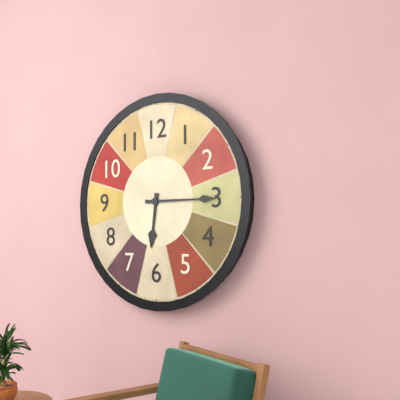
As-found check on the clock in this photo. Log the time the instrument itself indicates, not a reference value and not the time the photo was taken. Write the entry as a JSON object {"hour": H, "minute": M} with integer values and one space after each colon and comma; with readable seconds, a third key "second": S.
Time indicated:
{"hour": 6, "minute": 15}
